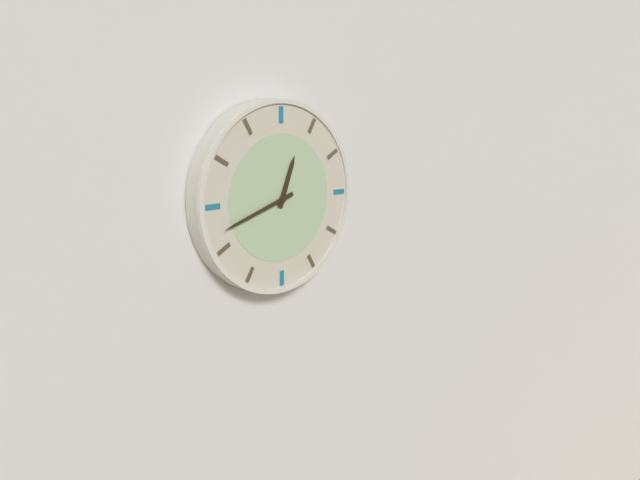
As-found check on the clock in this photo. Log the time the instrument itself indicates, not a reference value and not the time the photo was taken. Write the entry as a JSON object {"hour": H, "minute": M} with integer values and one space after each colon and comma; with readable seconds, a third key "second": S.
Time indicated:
{"hour": 12, "minute": 42}
